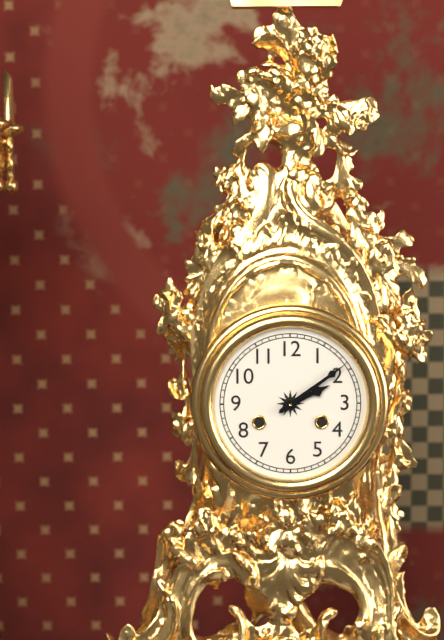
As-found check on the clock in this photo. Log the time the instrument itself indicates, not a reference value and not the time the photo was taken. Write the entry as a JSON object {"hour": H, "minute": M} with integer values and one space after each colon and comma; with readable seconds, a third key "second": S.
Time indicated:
{"hour": 2, "minute": 9}
